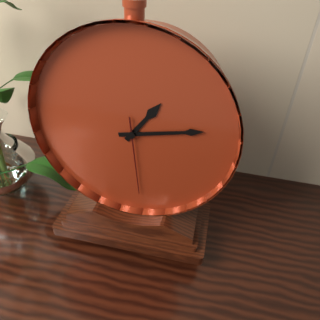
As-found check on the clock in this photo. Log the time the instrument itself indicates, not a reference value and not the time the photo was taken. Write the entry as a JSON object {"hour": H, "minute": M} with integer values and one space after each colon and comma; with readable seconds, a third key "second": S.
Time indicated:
{"hour": 1, "minute": 13, "second": 29}
